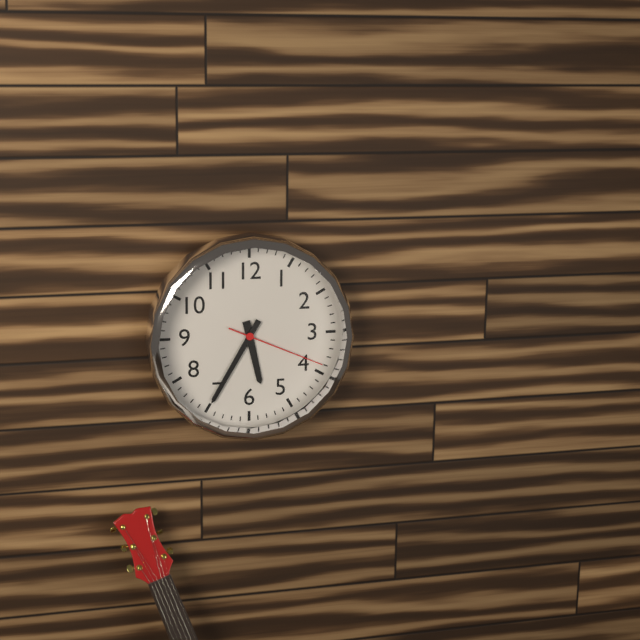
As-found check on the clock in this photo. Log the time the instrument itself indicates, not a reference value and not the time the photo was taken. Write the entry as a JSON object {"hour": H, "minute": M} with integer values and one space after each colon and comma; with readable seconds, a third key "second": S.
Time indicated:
{"hour": 5, "minute": 35, "second": 19}
